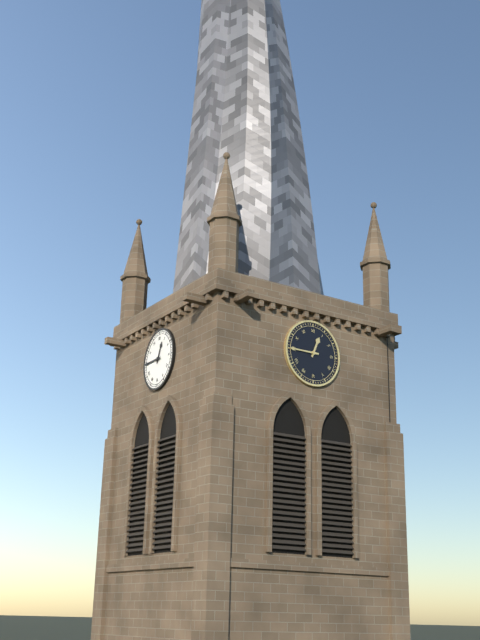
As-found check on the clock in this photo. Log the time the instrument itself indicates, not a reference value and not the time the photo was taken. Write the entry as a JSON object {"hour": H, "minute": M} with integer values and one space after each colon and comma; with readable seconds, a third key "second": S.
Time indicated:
{"hour": 12, "minute": 45}
